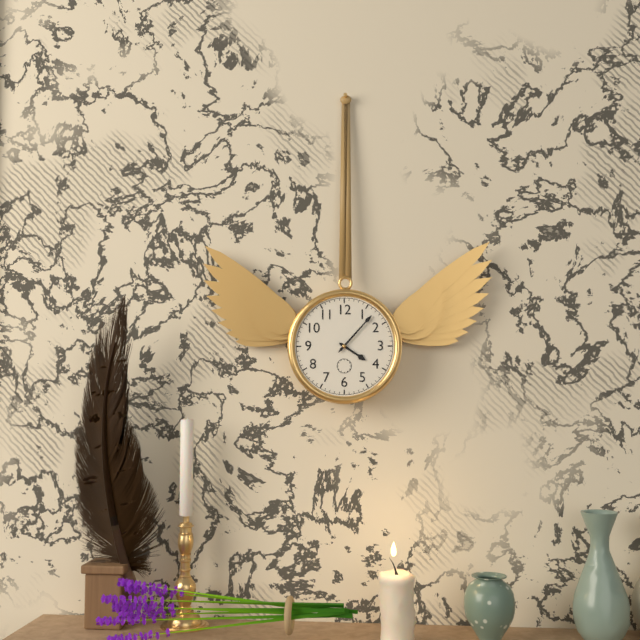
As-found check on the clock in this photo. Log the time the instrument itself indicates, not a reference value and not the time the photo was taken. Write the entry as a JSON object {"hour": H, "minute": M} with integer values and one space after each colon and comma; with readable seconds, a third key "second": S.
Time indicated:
{"hour": 4, "minute": 7}
